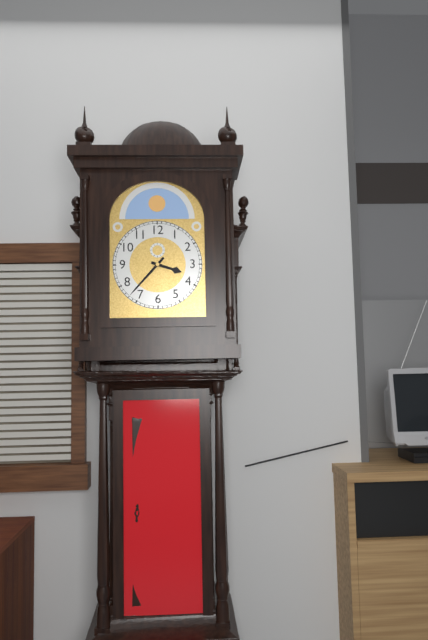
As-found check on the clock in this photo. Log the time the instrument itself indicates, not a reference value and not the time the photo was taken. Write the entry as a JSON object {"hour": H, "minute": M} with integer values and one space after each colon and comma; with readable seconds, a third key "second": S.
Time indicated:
{"hour": 3, "minute": 37}
